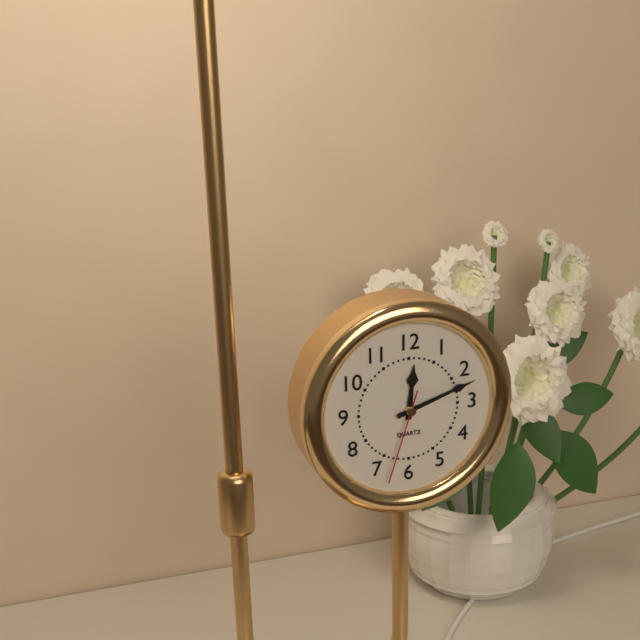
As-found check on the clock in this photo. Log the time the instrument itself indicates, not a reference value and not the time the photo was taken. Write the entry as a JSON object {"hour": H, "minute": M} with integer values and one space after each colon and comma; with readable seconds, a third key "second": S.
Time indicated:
{"hour": 12, "minute": 12, "second": 33}
